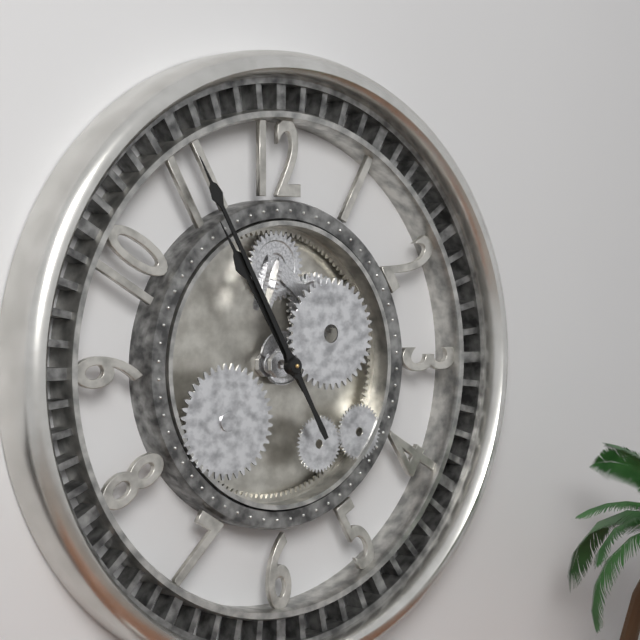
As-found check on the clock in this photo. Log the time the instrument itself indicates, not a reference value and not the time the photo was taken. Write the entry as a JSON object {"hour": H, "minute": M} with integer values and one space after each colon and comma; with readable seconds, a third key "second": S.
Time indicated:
{"hour": 10, "minute": 55}
